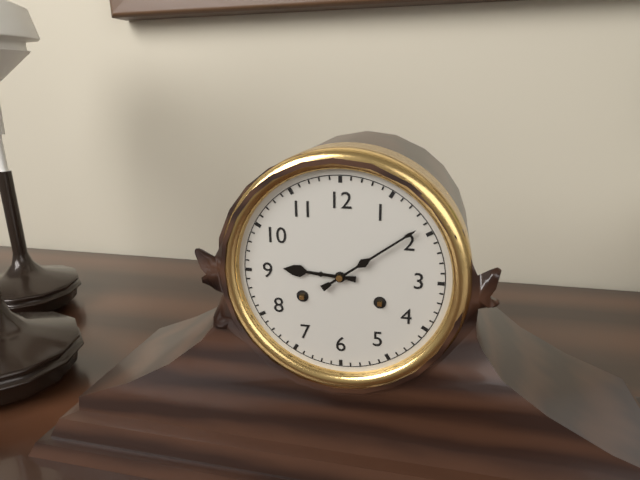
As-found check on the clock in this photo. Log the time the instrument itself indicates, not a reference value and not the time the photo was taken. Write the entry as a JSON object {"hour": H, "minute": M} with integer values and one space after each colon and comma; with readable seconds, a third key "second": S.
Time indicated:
{"hour": 9, "minute": 9}
